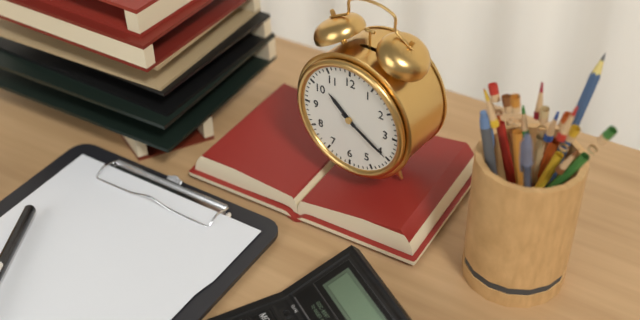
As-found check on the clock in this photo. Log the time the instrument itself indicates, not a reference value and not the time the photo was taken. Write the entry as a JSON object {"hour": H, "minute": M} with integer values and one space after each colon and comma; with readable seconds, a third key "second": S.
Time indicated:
{"hour": 10, "minute": 20}
